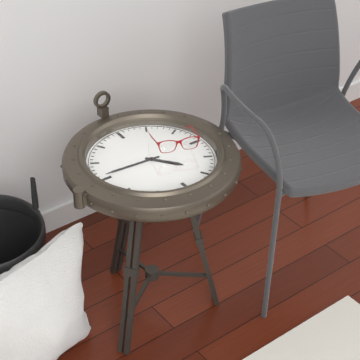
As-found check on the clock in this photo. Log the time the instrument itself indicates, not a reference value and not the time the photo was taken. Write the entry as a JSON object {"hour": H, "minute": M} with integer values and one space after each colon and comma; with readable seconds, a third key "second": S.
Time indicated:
{"hour": 4, "minute": 46}
